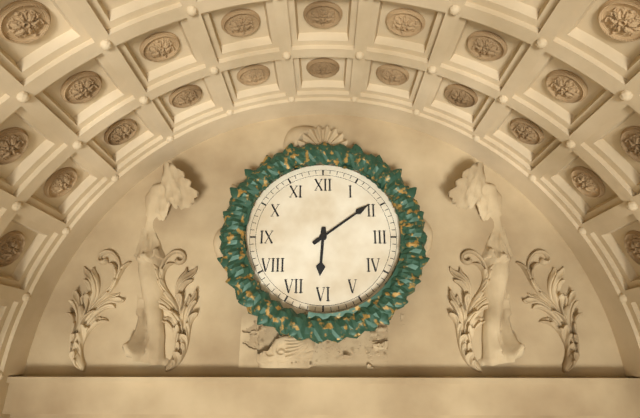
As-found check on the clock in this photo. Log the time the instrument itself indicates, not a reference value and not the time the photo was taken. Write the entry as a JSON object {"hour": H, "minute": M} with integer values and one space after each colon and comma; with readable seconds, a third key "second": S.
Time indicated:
{"hour": 6, "minute": 9}
